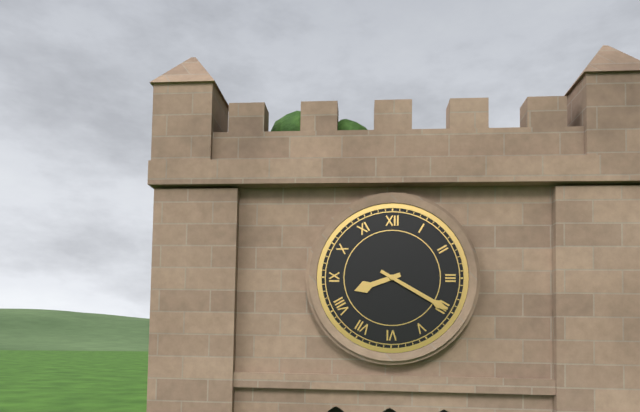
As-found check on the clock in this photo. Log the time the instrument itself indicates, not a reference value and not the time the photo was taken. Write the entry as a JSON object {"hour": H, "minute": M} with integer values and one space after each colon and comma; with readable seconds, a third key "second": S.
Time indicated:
{"hour": 8, "minute": 20}
